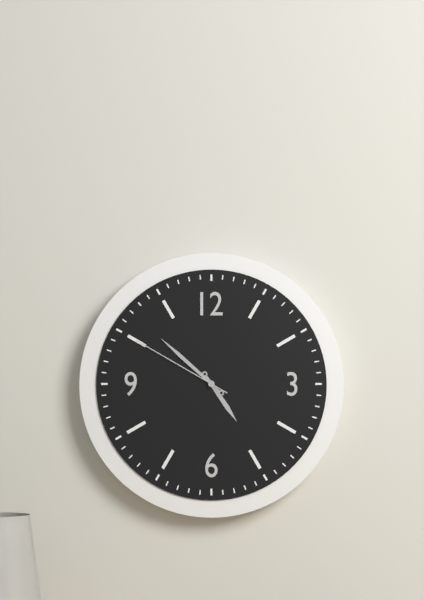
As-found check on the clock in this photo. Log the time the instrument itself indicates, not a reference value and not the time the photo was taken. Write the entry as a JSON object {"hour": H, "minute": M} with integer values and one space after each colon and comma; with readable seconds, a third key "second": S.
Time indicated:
{"hour": 4, "minute": 52, "second": 50}
